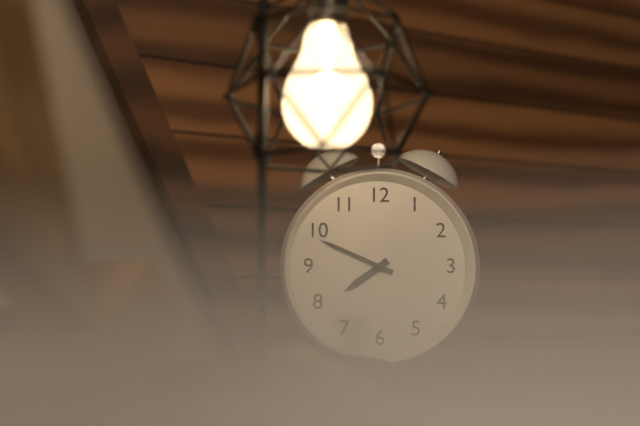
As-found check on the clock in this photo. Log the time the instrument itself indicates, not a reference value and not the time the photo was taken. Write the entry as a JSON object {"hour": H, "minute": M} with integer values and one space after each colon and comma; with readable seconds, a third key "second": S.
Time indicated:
{"hour": 7, "minute": 49}
